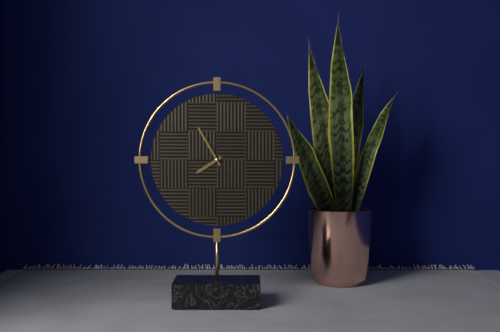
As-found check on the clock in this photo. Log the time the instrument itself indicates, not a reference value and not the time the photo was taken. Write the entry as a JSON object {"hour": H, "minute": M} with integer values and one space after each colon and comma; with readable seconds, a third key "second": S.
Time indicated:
{"hour": 7, "minute": 55}
